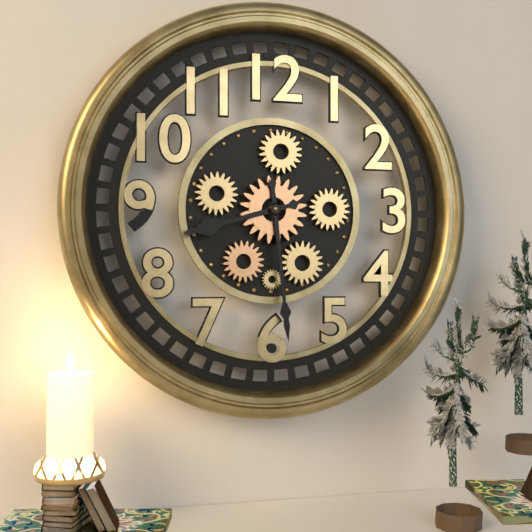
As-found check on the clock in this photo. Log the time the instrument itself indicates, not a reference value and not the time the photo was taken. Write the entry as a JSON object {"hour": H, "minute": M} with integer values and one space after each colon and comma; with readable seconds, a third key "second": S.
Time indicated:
{"hour": 8, "minute": 29}
